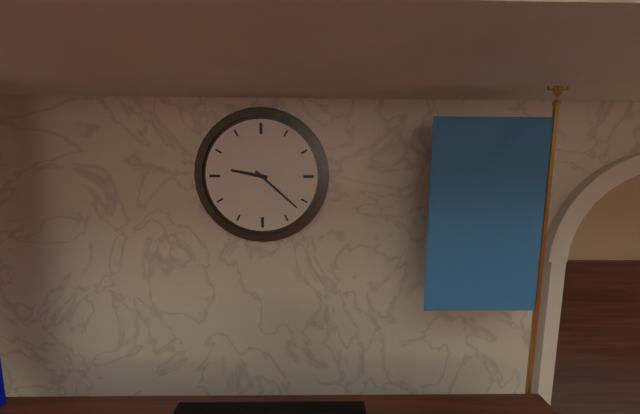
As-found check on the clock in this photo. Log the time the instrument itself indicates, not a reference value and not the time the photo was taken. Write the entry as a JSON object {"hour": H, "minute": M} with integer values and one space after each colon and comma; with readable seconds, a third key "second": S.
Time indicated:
{"hour": 9, "minute": 22}
